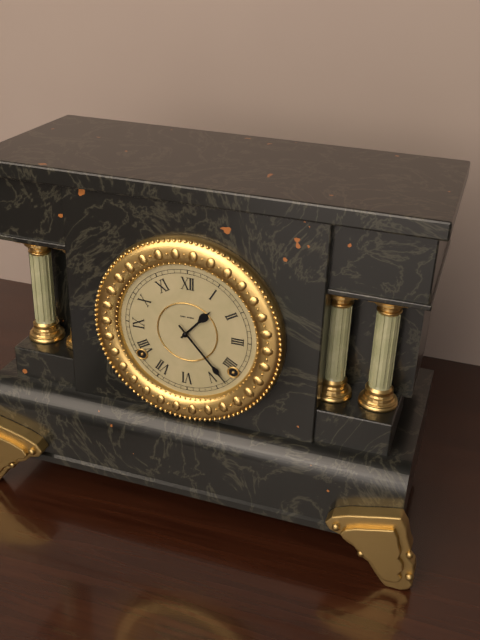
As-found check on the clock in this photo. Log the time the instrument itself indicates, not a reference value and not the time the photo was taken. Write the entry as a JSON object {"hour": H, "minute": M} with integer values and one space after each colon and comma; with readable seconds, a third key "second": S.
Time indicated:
{"hour": 1, "minute": 23}
